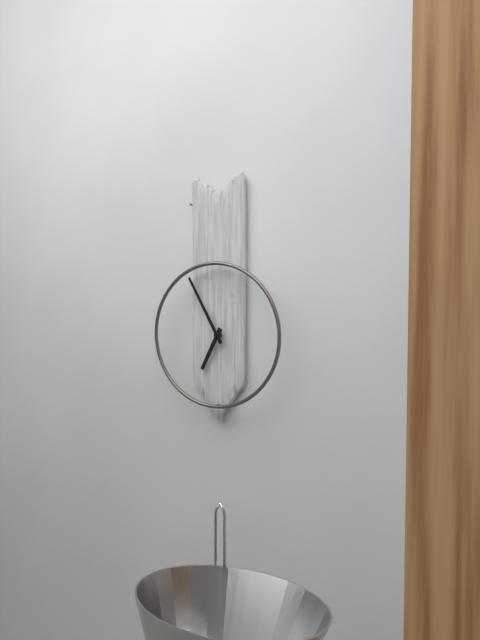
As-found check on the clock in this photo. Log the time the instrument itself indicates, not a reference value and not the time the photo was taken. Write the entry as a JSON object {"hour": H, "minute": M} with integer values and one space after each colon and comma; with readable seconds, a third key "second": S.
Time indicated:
{"hour": 6, "minute": 55}
